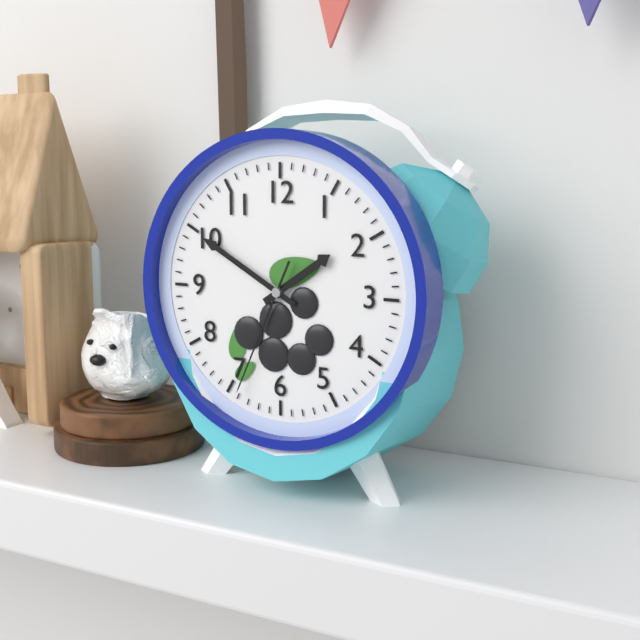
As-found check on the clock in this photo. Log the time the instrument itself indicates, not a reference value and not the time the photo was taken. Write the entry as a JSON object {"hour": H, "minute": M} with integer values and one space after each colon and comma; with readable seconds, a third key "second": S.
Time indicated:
{"hour": 1, "minute": 50, "second": 34}
